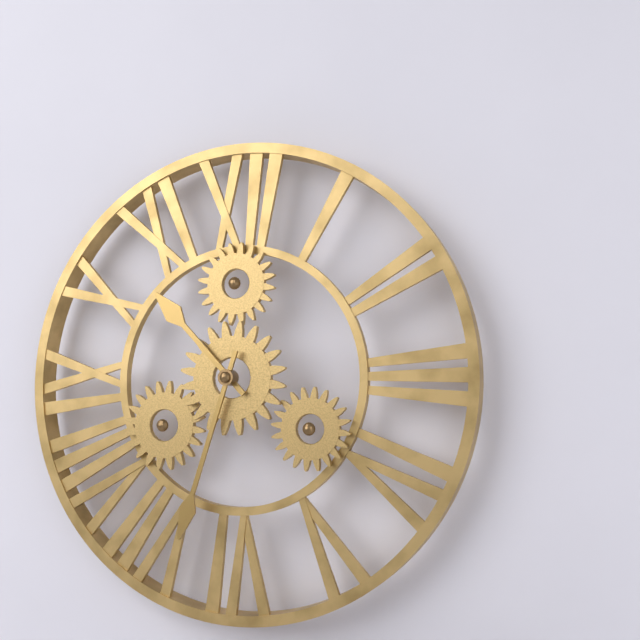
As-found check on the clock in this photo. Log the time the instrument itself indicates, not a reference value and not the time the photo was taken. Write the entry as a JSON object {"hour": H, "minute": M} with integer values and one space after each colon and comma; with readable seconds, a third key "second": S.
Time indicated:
{"hour": 10, "minute": 33}
